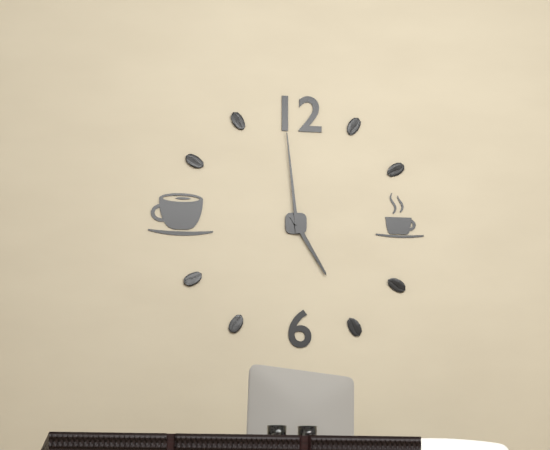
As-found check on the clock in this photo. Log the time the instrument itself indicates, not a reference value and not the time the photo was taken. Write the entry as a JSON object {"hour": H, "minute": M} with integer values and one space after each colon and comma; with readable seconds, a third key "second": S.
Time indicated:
{"hour": 4, "minute": 59}
